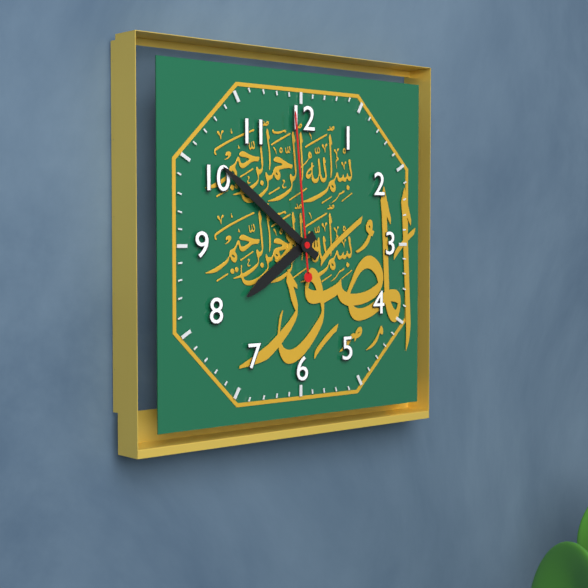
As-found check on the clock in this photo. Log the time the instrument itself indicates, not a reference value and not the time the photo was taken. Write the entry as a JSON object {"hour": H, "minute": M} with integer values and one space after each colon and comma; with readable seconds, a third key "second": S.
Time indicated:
{"hour": 7, "minute": 51, "second": 59}
